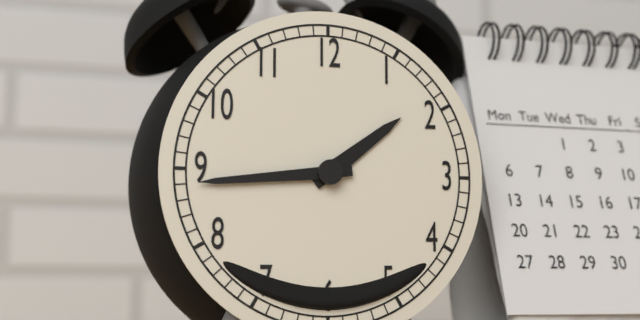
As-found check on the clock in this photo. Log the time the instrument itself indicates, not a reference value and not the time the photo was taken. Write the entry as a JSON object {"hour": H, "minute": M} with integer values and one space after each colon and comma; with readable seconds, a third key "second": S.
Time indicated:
{"hour": 1, "minute": 44}
